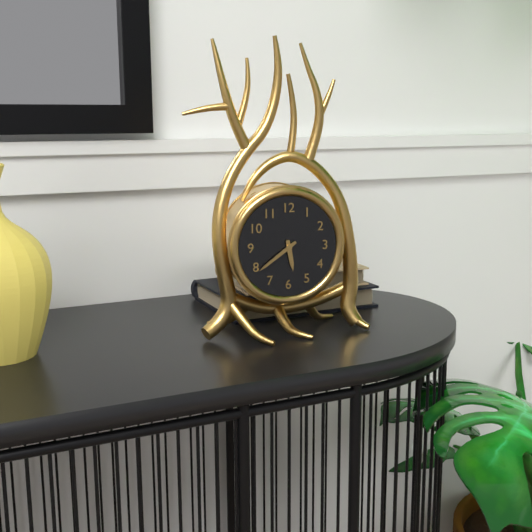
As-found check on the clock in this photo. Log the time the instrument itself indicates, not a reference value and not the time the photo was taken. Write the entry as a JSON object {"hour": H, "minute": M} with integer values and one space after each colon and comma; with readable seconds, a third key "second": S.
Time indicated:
{"hour": 5, "minute": 39}
